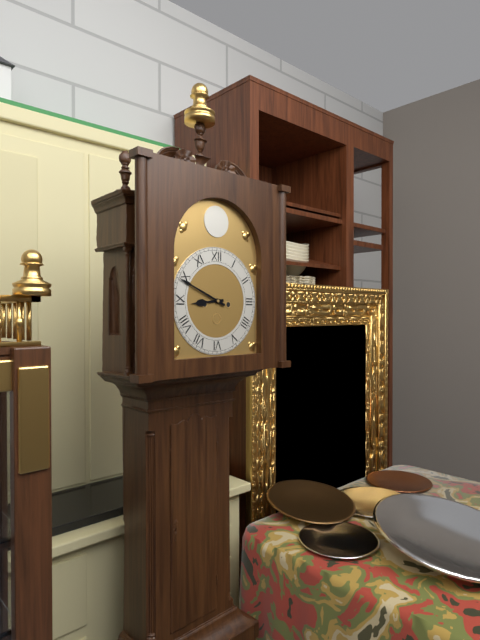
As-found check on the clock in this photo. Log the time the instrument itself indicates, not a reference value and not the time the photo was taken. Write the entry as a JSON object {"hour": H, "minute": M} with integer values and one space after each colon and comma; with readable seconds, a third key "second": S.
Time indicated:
{"hour": 8, "minute": 49}
